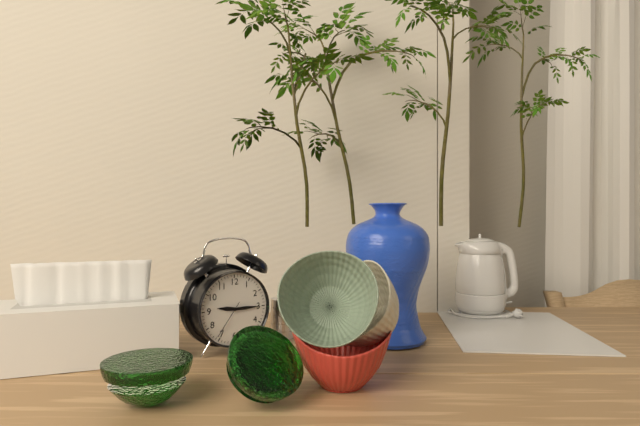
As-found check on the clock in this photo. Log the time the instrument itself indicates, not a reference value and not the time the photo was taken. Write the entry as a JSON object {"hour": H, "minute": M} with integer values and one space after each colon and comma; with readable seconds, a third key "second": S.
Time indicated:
{"hour": 9, "minute": 15}
